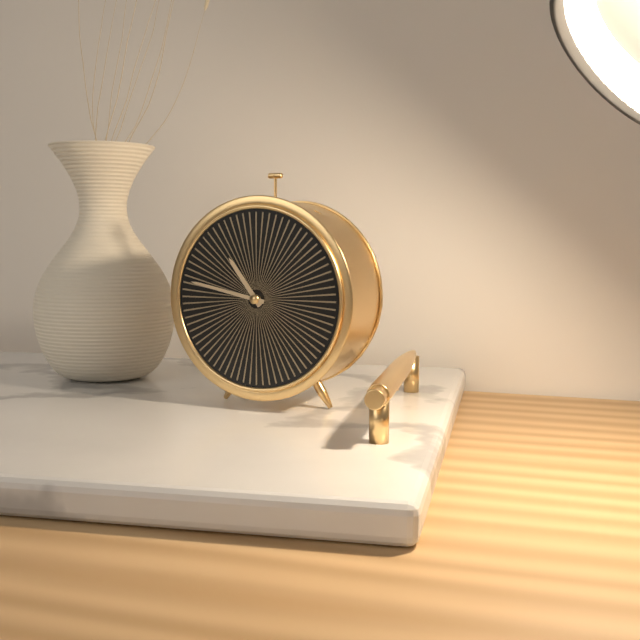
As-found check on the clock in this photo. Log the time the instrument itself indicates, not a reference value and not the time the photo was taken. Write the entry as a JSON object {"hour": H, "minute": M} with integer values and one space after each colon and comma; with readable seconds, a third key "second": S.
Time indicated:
{"hour": 10, "minute": 47}
